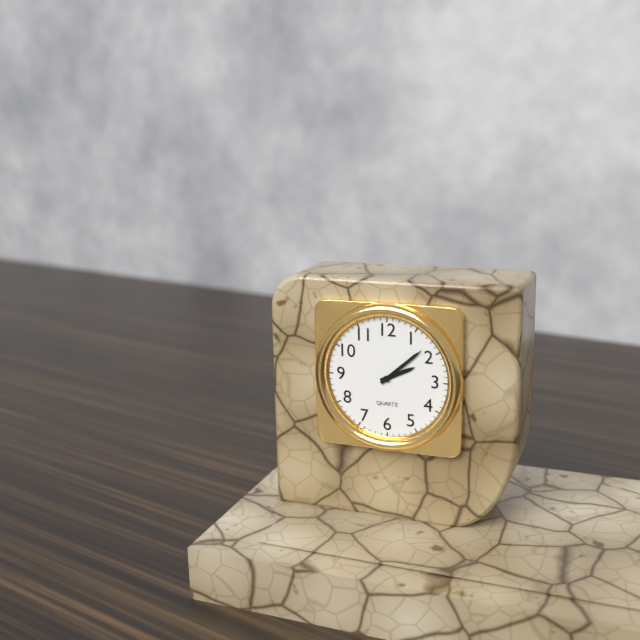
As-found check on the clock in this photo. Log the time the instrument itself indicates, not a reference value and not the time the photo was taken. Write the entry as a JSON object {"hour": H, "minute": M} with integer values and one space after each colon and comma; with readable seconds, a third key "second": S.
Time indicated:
{"hour": 2, "minute": 8}
